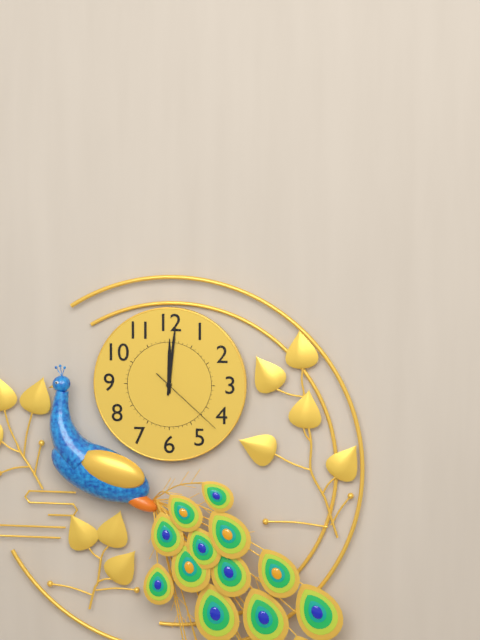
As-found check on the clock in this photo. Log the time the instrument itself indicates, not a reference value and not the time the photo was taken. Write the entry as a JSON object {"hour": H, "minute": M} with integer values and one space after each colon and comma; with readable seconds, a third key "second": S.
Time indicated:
{"hour": 12, "minute": 1, "second": 22}
